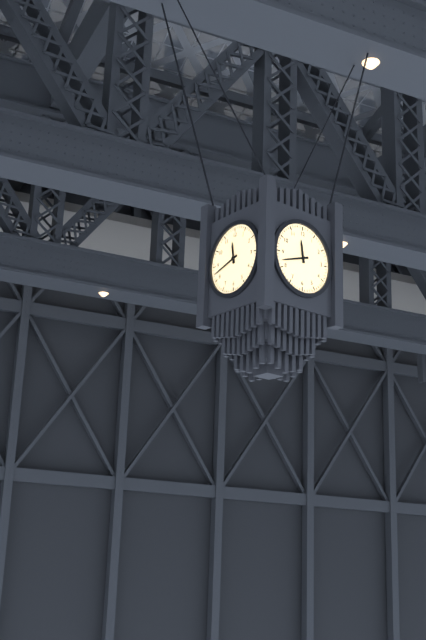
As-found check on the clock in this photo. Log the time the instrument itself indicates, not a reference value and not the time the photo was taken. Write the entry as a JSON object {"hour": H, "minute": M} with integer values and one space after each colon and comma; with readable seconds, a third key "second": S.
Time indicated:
{"hour": 11, "minute": 42}
